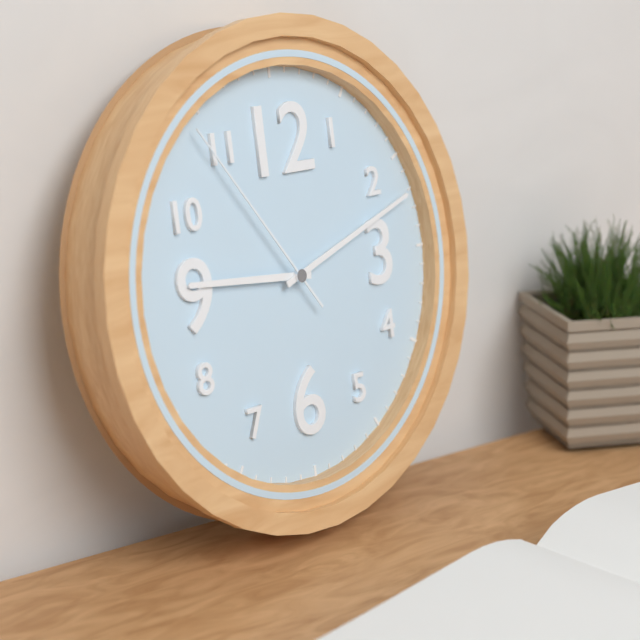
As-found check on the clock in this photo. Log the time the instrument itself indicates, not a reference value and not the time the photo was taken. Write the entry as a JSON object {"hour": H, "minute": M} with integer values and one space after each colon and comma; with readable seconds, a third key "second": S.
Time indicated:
{"hour": 9, "minute": 12, "second": 54}
